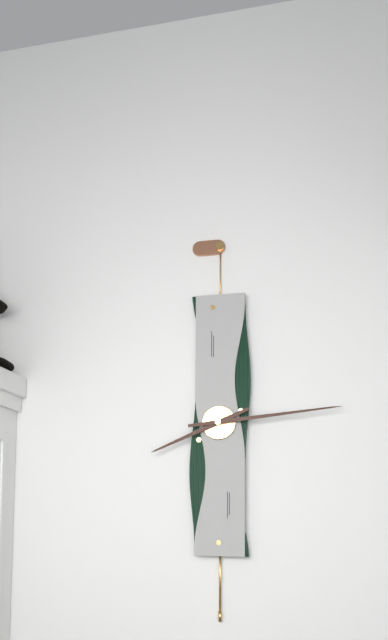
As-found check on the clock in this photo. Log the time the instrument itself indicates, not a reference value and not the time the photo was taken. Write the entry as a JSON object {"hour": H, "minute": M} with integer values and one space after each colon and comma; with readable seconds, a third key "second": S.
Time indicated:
{"hour": 8, "minute": 14}
